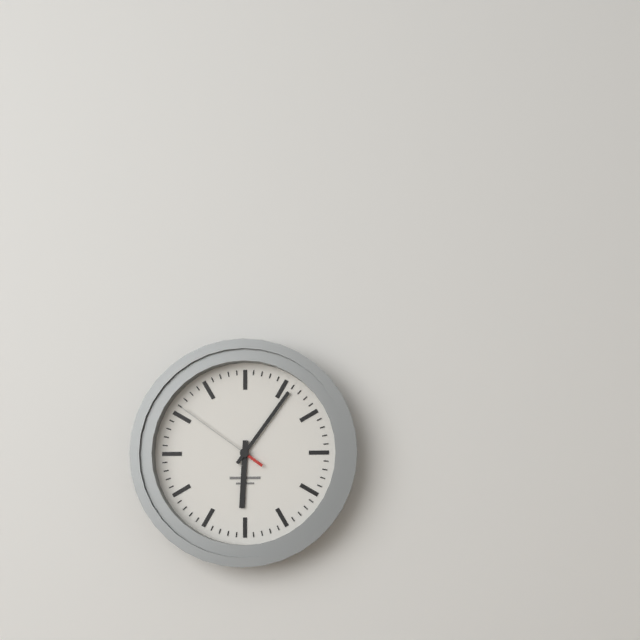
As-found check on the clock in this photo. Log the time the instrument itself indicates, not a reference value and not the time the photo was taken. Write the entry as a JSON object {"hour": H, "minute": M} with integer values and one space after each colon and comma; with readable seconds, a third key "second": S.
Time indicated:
{"hour": 6, "minute": 6, "second": 51}
